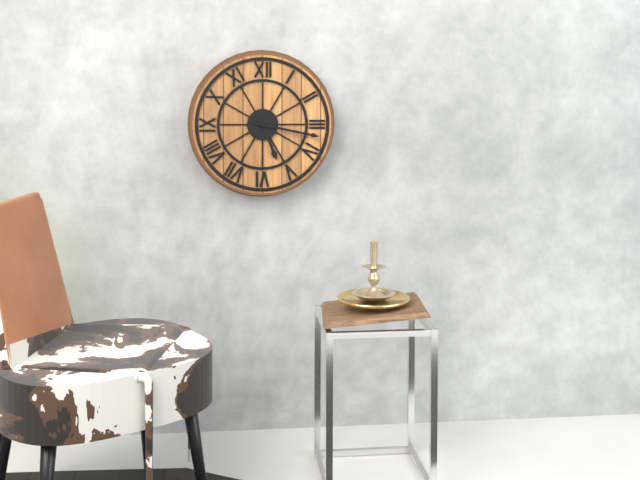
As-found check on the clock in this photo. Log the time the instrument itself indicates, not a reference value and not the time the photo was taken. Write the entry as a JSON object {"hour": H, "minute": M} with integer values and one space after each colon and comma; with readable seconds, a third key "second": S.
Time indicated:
{"hour": 5, "minute": 17}
